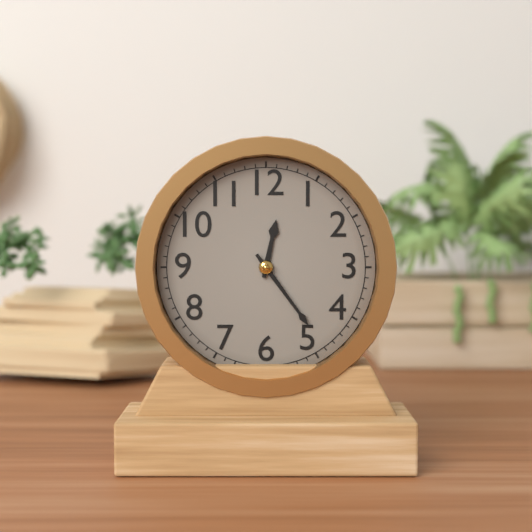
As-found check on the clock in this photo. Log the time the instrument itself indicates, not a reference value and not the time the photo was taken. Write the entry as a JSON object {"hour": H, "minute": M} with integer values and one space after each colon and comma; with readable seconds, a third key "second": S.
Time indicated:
{"hour": 12, "minute": 24}
